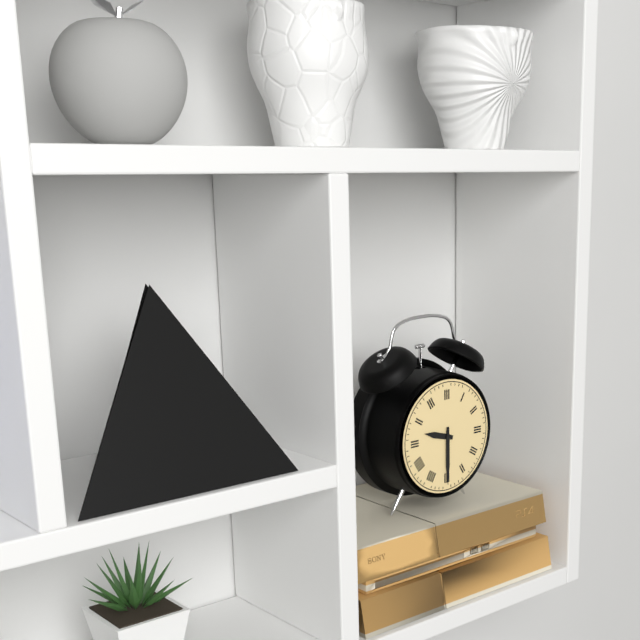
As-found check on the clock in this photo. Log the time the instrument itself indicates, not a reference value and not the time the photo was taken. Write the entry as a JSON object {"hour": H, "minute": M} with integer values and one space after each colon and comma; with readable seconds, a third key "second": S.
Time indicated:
{"hour": 9, "minute": 30}
